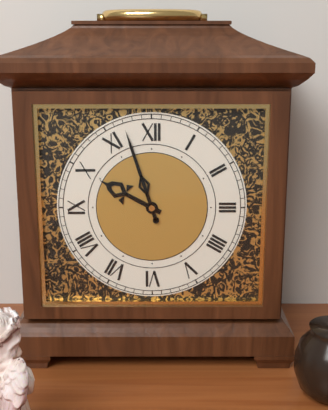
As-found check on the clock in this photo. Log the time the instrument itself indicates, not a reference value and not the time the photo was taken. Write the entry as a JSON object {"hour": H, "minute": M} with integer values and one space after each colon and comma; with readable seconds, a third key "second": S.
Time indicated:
{"hour": 9, "minute": 57}
